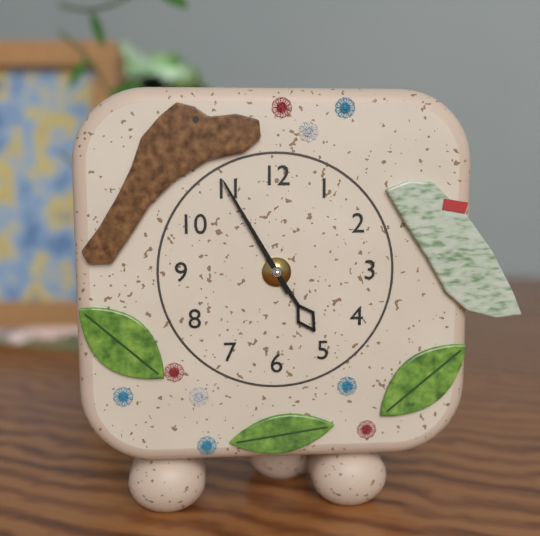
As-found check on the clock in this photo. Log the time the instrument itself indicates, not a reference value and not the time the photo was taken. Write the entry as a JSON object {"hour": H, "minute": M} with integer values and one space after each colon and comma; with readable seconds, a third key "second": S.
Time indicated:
{"hour": 4, "minute": 55}
